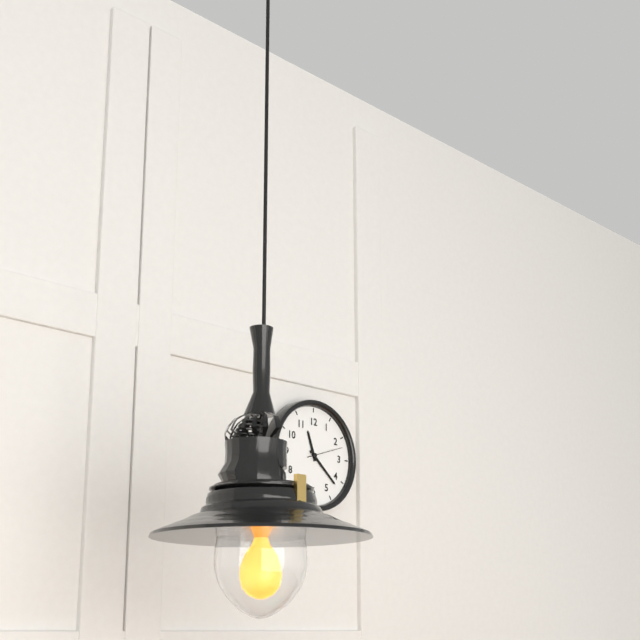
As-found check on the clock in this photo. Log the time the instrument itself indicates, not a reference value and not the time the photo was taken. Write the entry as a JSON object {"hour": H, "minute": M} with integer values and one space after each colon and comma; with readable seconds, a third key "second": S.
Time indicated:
{"hour": 11, "minute": 22}
